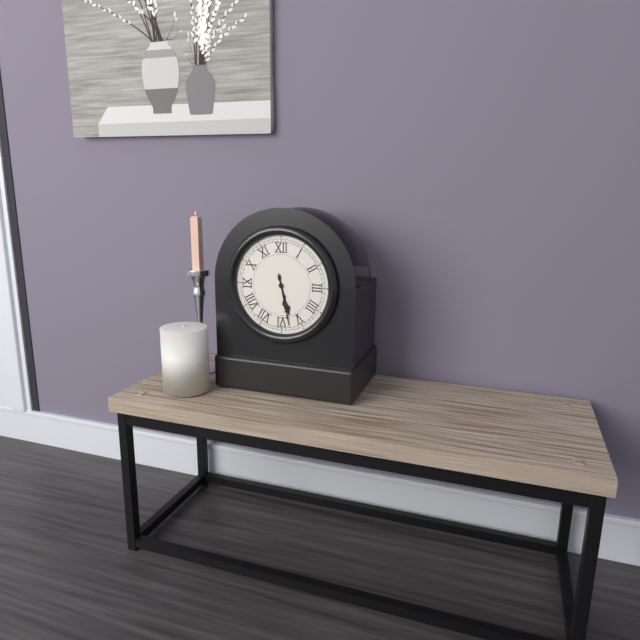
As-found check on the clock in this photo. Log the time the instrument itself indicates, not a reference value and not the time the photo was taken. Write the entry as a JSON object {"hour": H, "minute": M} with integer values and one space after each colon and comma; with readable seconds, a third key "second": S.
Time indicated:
{"hour": 5, "minute": 28}
